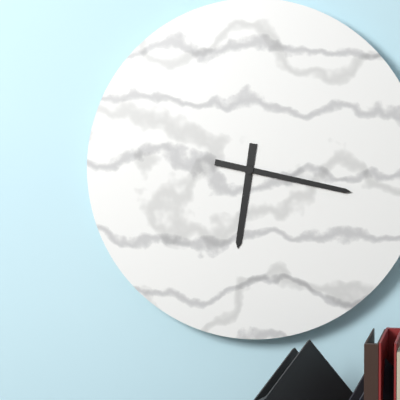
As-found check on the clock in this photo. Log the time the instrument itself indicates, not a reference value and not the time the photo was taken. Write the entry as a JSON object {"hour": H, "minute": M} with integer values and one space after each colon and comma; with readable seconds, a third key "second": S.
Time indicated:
{"hour": 6, "minute": 17}
